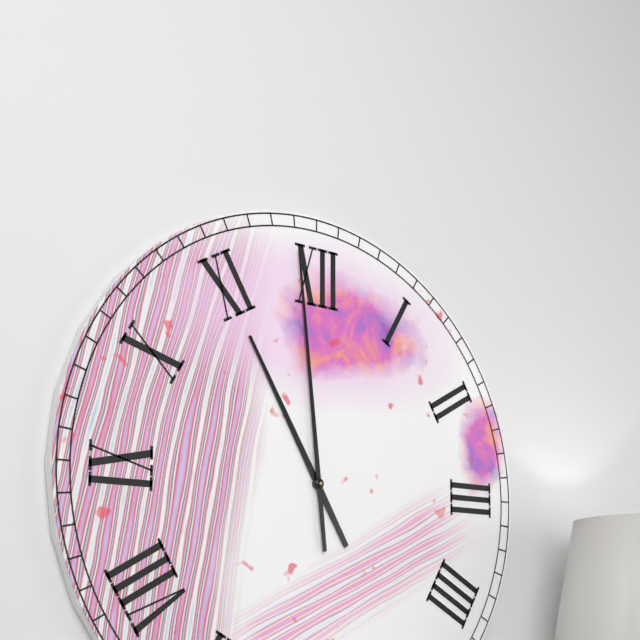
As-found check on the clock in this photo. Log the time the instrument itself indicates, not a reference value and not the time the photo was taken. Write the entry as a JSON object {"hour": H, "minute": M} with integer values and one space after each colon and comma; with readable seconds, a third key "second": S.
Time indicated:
{"hour": 10, "minute": 59}
